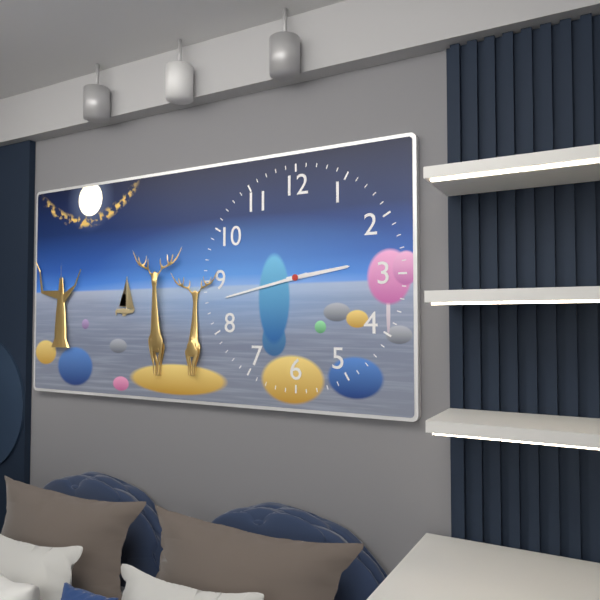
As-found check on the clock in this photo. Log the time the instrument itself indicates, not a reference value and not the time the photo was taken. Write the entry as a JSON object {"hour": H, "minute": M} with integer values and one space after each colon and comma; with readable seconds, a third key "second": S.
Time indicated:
{"hour": 2, "minute": 43}
